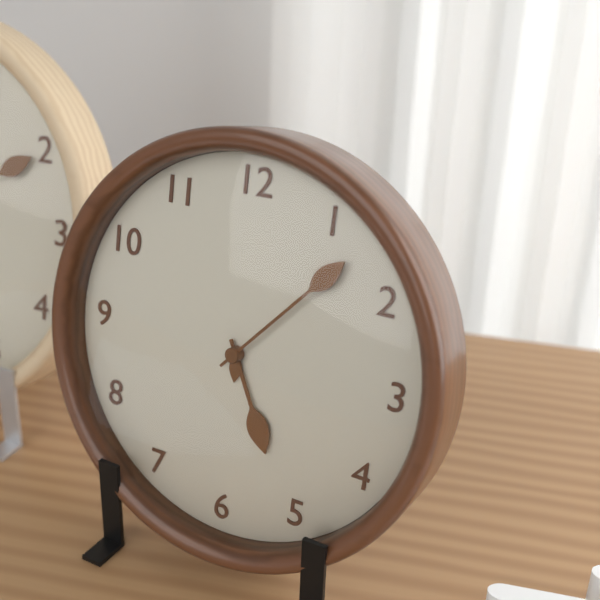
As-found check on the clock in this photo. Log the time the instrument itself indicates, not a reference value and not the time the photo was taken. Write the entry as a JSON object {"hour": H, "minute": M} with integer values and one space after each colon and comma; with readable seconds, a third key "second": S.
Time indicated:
{"hour": 5, "minute": 7}
